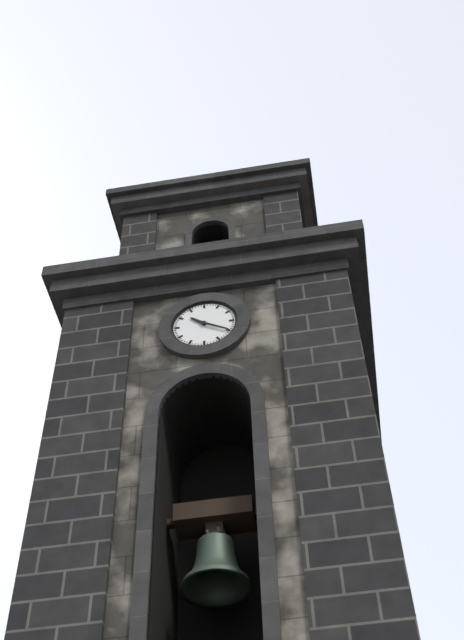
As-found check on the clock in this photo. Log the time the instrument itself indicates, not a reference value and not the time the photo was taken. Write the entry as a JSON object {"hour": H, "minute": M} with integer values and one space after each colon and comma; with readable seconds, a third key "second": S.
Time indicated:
{"hour": 10, "minute": 20}
